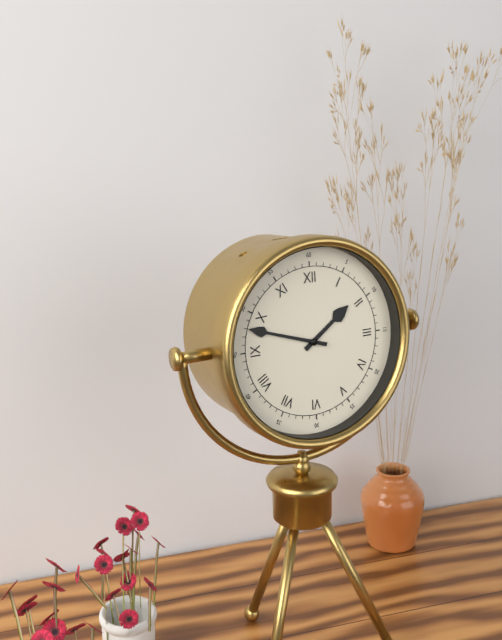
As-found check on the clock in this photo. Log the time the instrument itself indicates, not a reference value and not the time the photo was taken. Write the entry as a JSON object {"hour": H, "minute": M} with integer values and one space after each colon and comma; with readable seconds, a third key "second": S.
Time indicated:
{"hour": 1, "minute": 48}
